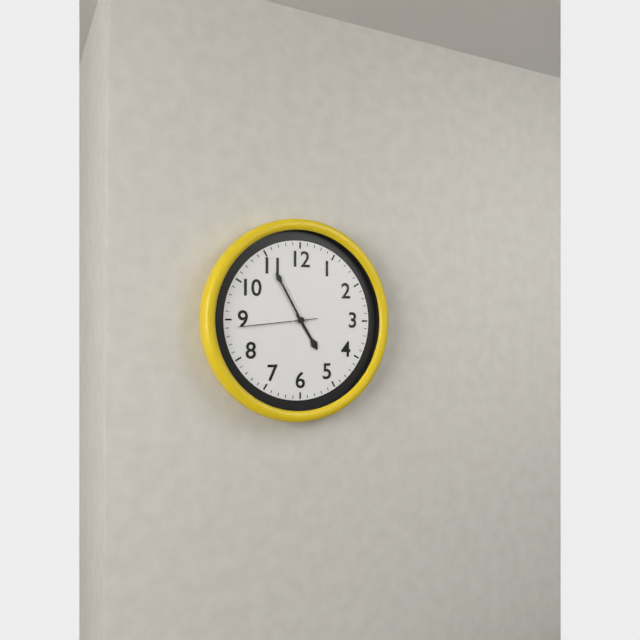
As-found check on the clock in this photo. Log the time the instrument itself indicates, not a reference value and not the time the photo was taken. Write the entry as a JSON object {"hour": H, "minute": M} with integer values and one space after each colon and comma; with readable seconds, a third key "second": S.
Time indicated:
{"hour": 4, "minute": 55, "second": 44}
